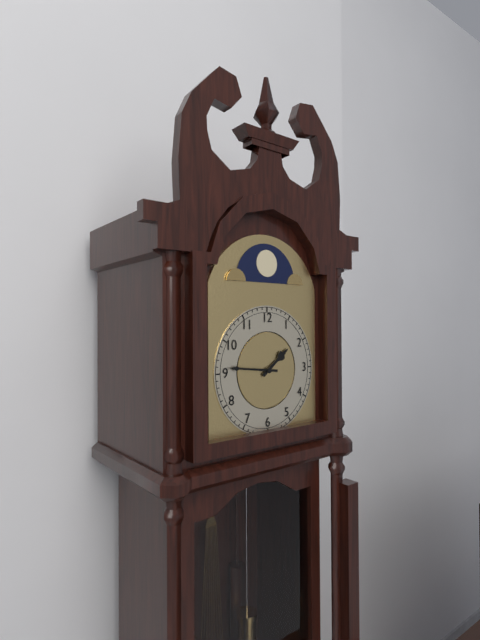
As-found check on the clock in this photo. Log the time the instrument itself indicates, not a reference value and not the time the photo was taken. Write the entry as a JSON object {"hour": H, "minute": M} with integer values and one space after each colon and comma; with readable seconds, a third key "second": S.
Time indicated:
{"hour": 1, "minute": 46}
